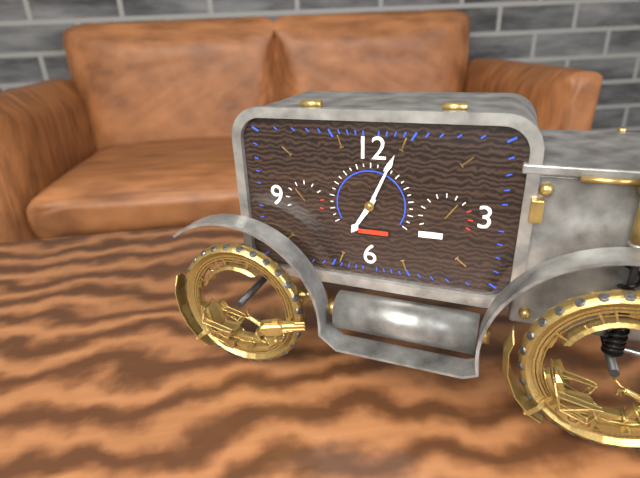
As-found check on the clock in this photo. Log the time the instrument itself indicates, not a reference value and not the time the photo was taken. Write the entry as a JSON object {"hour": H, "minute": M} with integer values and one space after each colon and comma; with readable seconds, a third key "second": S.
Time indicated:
{"hour": 7, "minute": 4}
